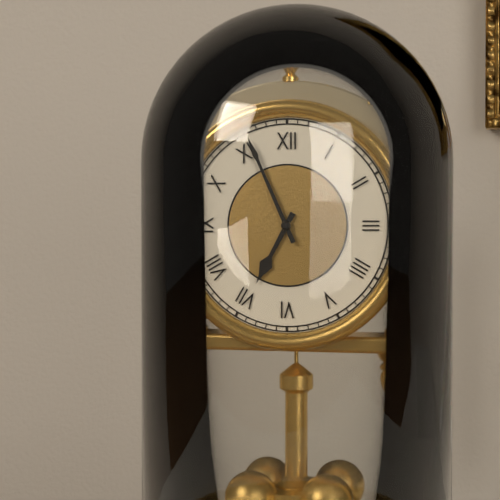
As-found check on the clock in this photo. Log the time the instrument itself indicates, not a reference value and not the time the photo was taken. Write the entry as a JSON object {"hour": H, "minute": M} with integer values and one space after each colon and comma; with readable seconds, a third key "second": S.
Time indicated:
{"hour": 6, "minute": 56}
